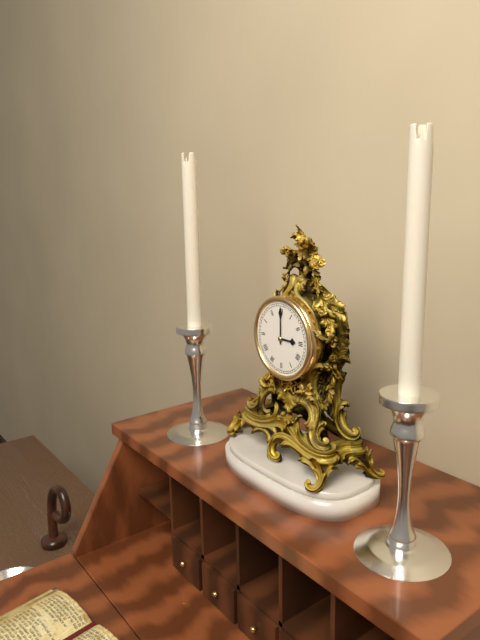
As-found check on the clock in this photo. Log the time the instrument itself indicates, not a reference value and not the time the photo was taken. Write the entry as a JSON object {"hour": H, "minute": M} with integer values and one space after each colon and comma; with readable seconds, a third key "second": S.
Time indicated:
{"hour": 3, "minute": 0}
